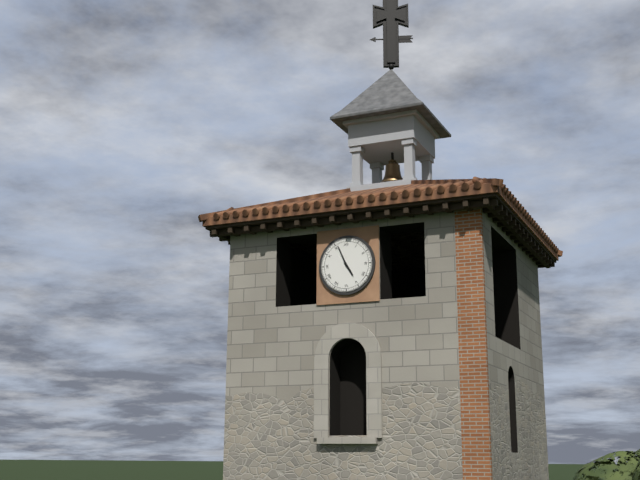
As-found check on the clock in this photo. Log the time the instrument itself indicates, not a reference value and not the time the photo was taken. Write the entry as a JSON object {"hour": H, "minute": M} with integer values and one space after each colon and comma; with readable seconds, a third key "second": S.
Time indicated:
{"hour": 4, "minute": 56}
